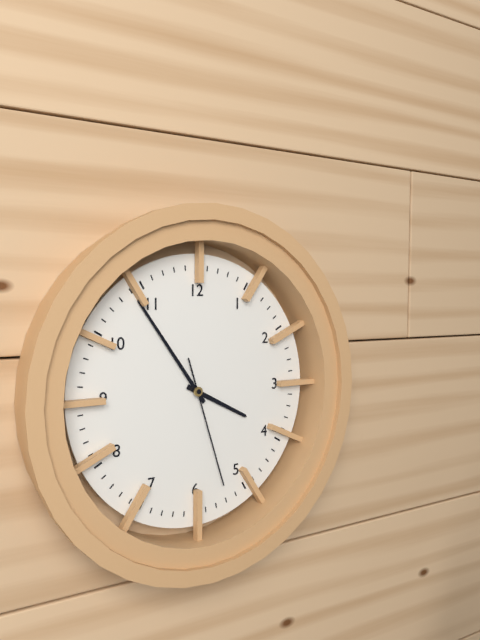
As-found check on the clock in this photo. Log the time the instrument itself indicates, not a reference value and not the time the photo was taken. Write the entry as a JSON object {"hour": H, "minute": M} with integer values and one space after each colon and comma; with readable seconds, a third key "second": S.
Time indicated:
{"hour": 3, "minute": 54, "second": 27}
